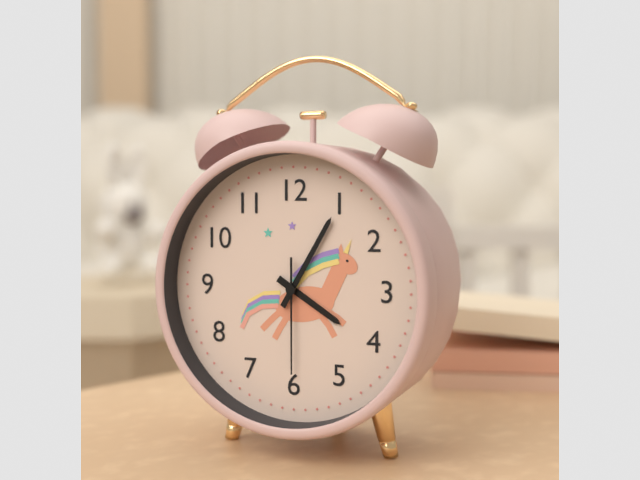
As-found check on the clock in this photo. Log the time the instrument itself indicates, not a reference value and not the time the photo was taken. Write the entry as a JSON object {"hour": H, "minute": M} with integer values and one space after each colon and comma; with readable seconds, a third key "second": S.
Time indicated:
{"hour": 4, "minute": 5, "second": 30}
